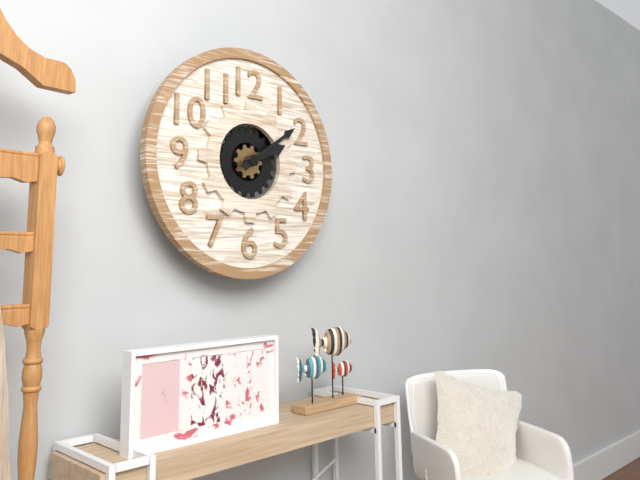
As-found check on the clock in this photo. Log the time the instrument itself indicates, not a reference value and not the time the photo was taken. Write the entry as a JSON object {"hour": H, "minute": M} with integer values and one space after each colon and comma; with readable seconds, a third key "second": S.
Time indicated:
{"hour": 2, "minute": 9}
